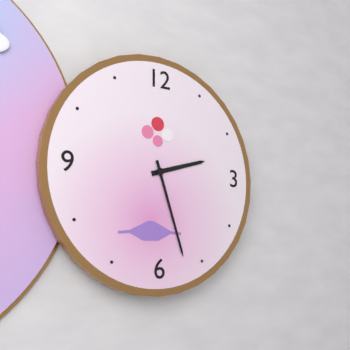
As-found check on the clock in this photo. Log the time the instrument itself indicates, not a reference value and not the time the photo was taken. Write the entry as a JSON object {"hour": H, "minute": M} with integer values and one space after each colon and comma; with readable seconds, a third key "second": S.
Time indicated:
{"hour": 2, "minute": 27}
